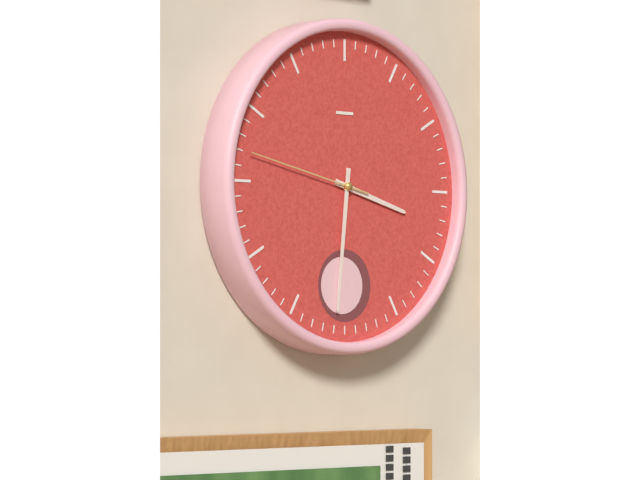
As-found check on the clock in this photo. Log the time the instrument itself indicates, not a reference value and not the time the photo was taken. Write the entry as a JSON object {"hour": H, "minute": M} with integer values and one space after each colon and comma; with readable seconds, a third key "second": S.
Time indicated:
{"hour": 3, "minute": 31, "second": 47}
